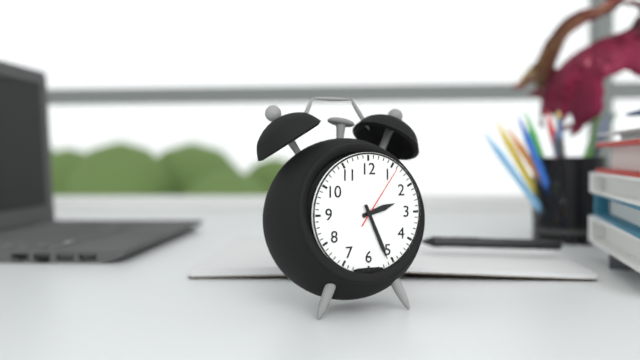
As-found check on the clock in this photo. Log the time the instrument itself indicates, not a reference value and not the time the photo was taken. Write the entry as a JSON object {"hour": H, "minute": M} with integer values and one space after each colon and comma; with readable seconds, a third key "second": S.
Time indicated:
{"hour": 2, "minute": 26, "second": 6}
